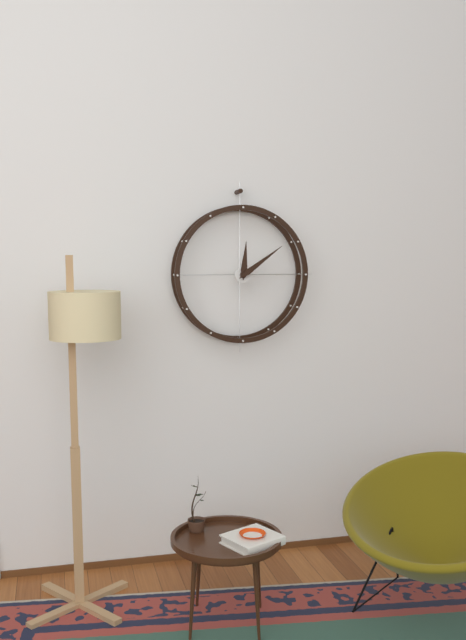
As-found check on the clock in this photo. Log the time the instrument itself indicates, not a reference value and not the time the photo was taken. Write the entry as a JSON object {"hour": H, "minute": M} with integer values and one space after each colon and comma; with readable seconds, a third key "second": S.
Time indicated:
{"hour": 12, "minute": 9}
